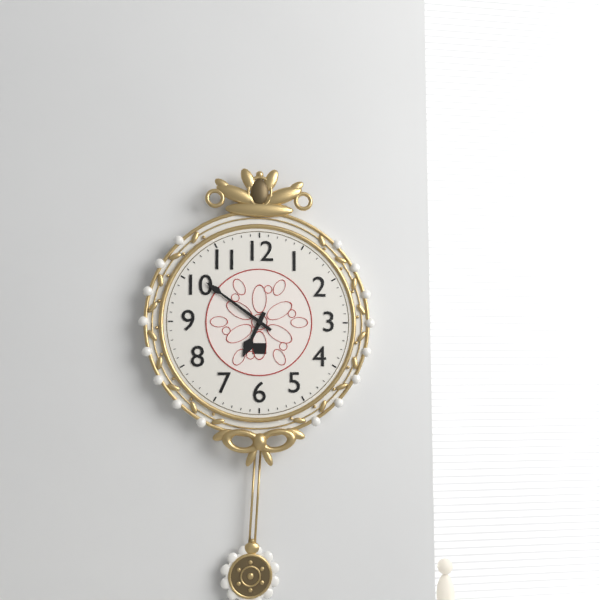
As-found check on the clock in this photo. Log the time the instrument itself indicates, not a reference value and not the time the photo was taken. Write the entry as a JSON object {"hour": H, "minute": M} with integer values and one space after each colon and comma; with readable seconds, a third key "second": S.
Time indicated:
{"hour": 6, "minute": 51}
